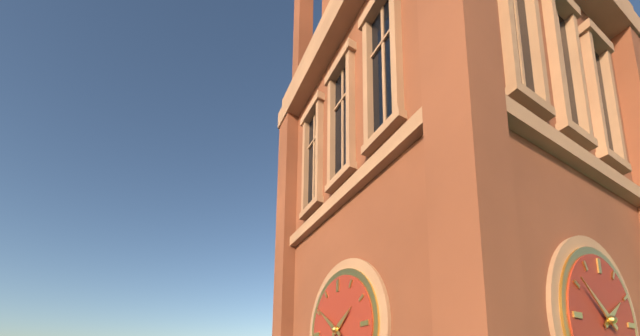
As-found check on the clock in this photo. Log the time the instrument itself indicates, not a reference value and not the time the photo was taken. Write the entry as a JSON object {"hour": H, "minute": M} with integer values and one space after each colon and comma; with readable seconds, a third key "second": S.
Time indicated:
{"hour": 1, "minute": 51}
